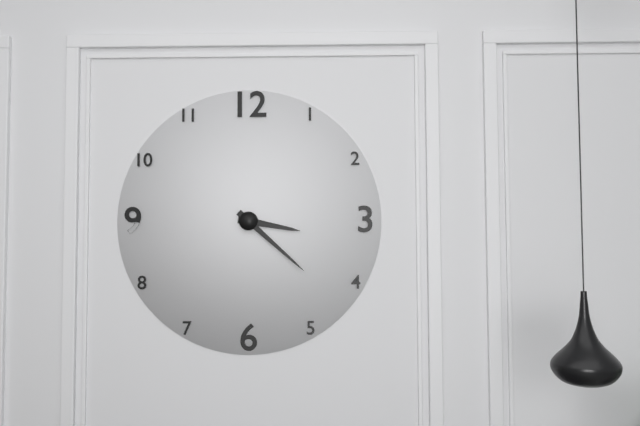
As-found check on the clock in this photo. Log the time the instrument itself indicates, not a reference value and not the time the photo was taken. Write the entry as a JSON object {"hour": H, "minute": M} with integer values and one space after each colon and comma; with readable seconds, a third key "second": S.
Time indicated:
{"hour": 3, "minute": 22}
